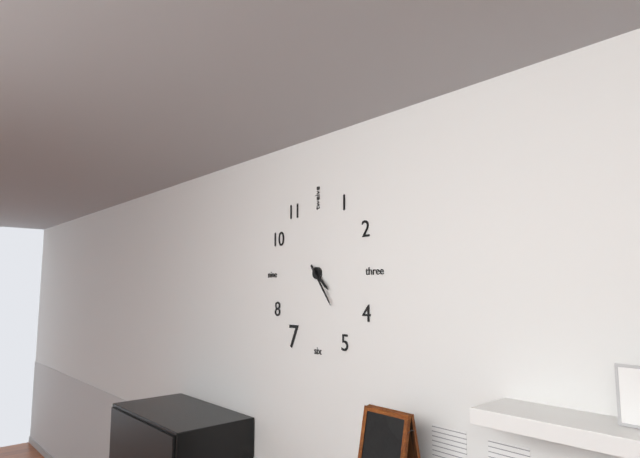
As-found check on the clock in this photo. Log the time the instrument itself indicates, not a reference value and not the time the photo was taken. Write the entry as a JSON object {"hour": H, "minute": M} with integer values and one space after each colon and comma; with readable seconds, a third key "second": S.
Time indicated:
{"hour": 4, "minute": 24}
